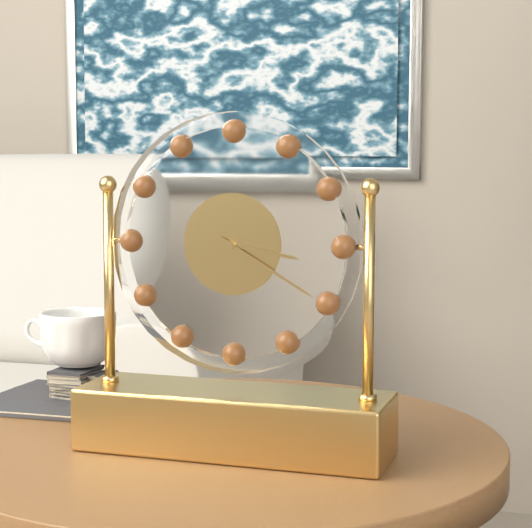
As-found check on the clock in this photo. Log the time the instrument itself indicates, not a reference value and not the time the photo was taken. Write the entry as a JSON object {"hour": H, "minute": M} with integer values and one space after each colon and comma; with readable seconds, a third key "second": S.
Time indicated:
{"hour": 3, "minute": 20}
